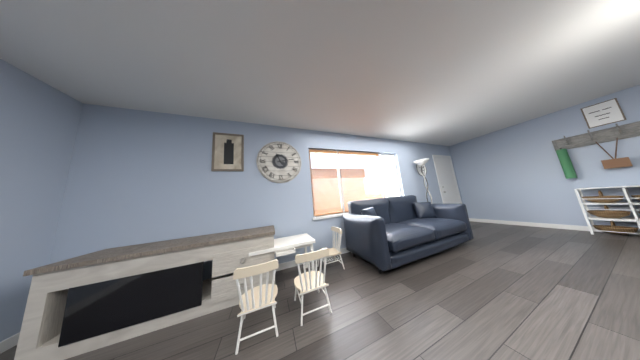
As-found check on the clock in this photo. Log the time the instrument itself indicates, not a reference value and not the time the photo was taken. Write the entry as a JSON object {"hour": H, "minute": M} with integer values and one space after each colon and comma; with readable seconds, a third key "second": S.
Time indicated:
{"hour": 11, "minute": 13}
